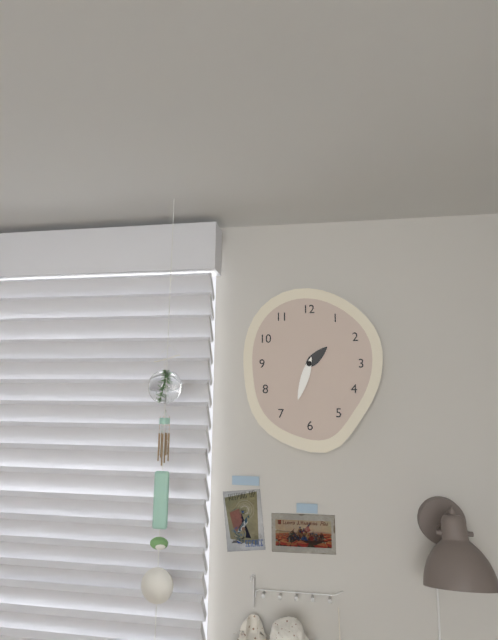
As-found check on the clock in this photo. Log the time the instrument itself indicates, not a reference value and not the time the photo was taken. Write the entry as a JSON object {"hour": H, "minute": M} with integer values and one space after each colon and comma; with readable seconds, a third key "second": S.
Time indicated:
{"hour": 1, "minute": 33}
